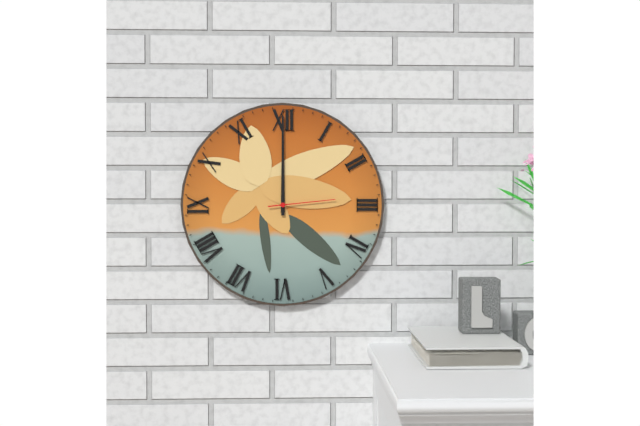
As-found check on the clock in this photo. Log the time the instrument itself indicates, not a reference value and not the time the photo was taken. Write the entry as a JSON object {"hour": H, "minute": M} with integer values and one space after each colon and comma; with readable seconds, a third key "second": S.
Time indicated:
{"hour": 12, "minute": 0, "second": 14}
